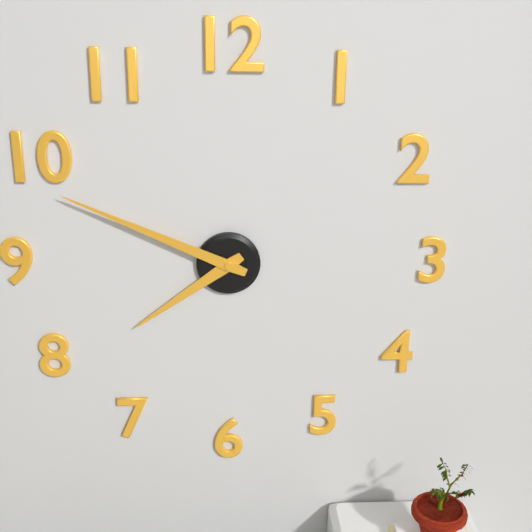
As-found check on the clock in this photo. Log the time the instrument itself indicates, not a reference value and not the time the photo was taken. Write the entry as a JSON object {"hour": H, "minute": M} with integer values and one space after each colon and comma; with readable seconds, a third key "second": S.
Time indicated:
{"hour": 7, "minute": 49}
